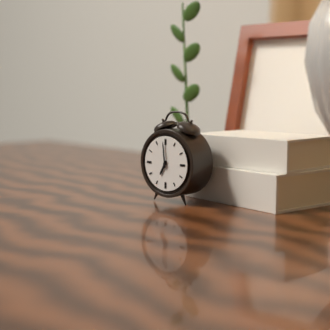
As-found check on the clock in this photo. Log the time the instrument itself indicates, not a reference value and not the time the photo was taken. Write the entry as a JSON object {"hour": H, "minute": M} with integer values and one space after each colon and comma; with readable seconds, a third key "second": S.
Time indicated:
{"hour": 6, "minute": 59}
